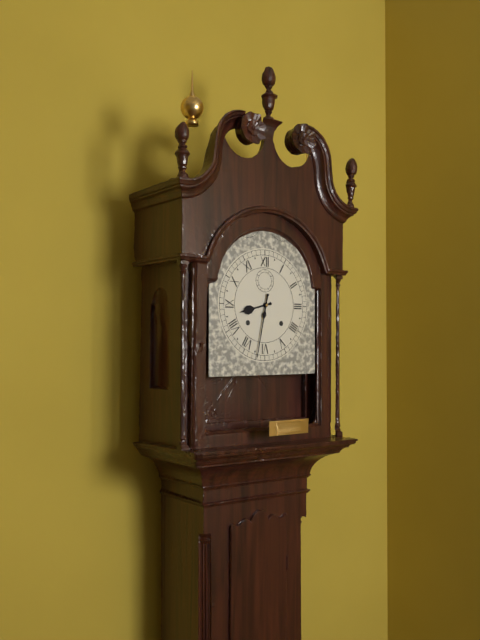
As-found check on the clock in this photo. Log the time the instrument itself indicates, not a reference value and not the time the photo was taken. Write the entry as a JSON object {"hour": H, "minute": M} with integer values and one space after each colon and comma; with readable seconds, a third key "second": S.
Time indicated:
{"hour": 8, "minute": 32}
